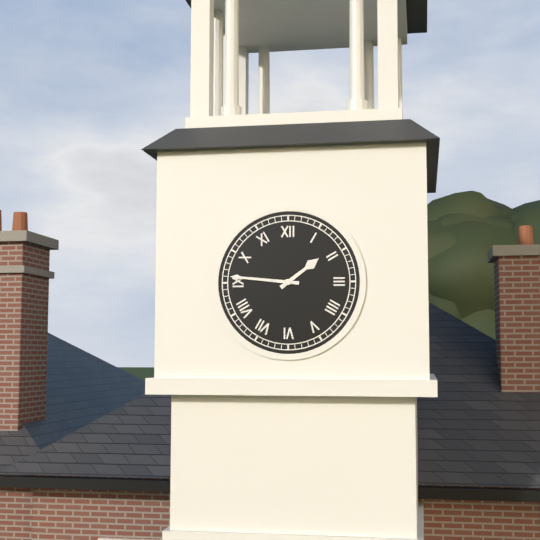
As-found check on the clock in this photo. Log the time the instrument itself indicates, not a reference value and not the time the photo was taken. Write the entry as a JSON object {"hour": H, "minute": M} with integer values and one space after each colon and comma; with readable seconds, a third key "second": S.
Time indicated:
{"hour": 1, "minute": 46}
